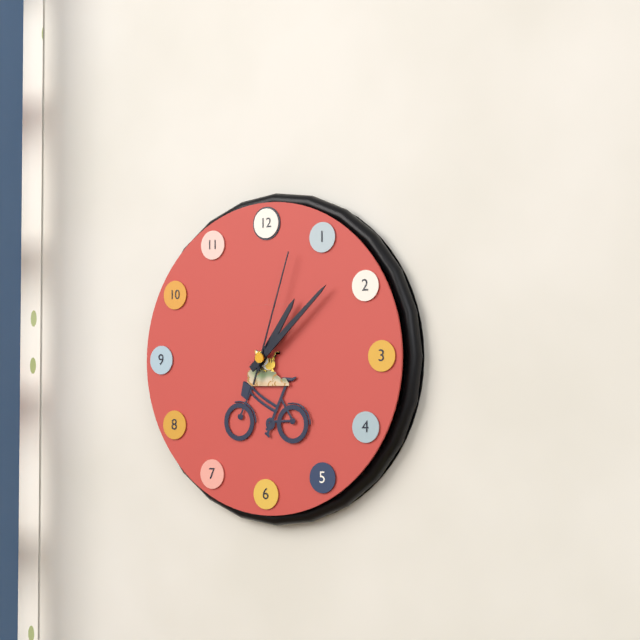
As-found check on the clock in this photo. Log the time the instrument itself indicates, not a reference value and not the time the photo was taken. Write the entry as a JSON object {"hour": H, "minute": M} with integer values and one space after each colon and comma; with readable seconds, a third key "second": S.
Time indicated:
{"hour": 1, "minute": 8, "second": 3}
